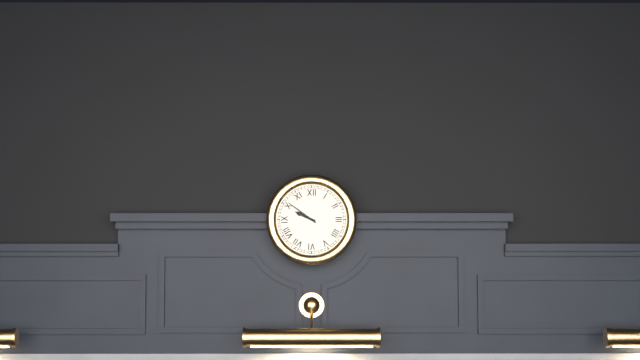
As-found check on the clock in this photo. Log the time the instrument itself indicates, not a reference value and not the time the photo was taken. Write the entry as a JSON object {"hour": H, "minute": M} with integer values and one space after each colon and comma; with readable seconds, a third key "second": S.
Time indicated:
{"hour": 9, "minute": 51}
